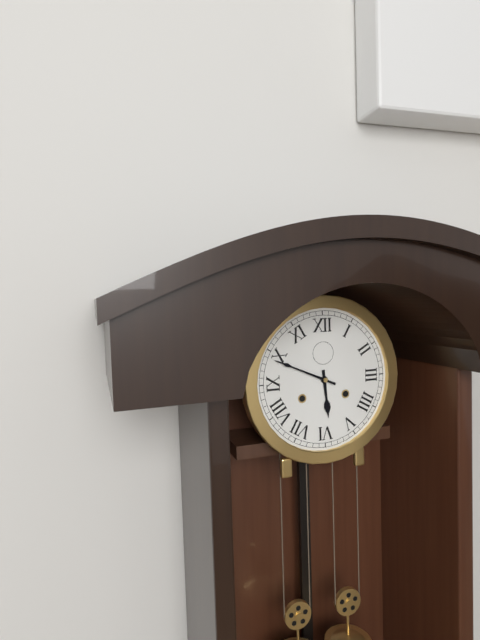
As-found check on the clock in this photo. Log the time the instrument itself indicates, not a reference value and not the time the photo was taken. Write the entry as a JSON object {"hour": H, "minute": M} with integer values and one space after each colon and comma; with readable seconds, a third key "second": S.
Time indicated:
{"hour": 5, "minute": 49}
